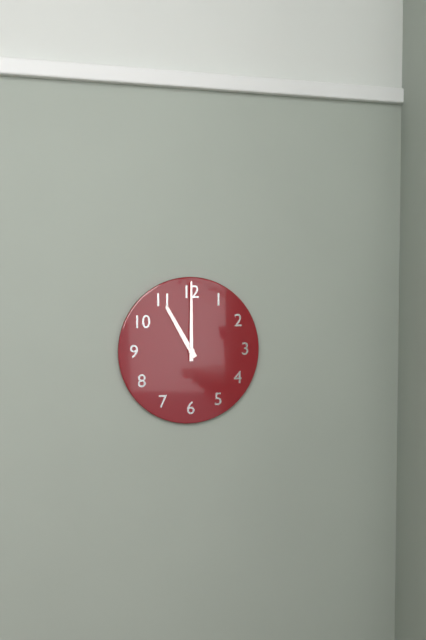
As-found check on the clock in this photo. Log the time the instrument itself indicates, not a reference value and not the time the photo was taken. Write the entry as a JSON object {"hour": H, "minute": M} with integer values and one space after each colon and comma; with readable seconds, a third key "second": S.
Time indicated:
{"hour": 11, "minute": 0}
